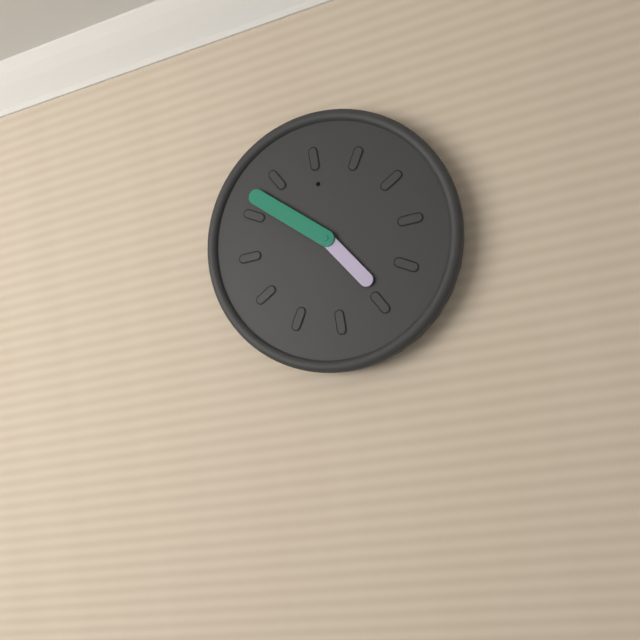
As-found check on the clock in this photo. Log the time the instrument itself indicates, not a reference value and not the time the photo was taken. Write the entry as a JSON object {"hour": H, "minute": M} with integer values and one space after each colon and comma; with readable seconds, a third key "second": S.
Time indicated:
{"hour": 4, "minute": 52}
